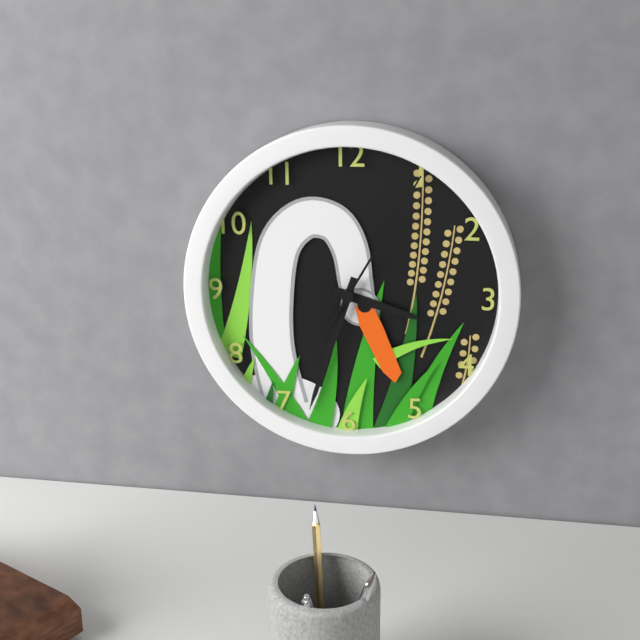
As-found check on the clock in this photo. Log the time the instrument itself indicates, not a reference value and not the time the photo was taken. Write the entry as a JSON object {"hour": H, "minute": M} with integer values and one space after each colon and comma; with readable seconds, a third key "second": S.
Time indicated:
{"hour": 3, "minute": 33, "second": 5}
